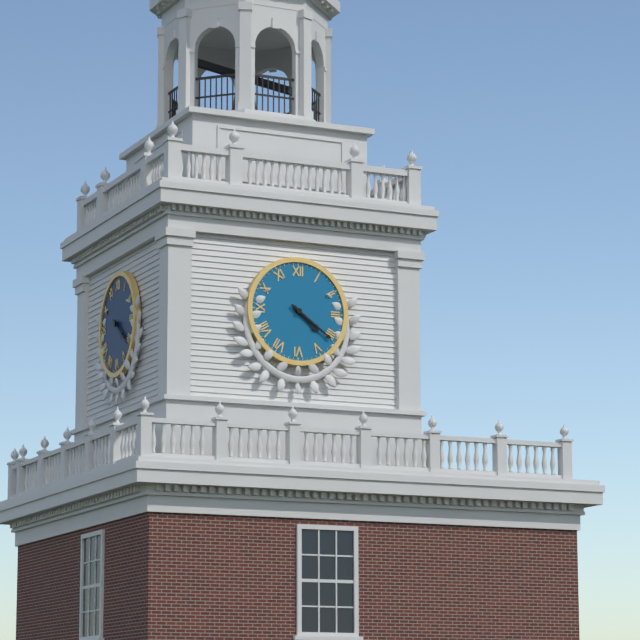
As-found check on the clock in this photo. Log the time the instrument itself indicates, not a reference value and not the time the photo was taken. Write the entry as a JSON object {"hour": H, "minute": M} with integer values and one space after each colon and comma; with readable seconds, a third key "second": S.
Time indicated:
{"hour": 4, "minute": 21}
